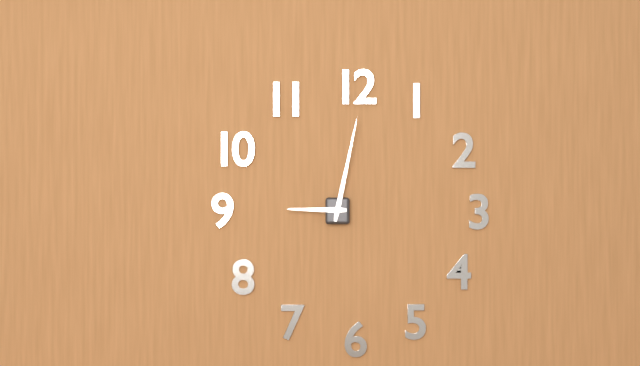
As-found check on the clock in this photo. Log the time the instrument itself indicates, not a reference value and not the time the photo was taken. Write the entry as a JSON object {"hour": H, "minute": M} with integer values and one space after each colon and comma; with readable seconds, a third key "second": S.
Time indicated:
{"hour": 9, "minute": 2}
